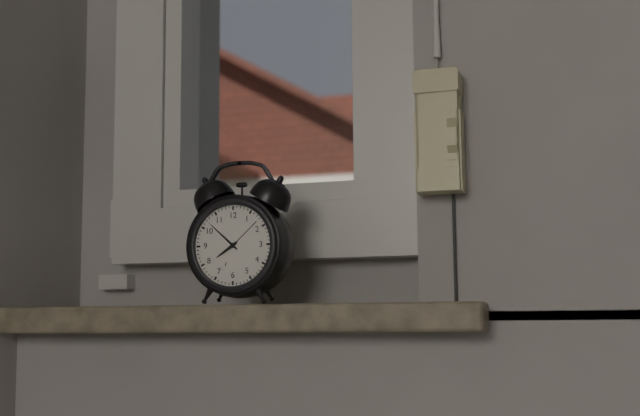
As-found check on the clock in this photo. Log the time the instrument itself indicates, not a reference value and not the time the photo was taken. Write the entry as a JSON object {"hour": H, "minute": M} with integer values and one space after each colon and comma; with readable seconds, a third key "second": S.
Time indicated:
{"hour": 7, "minute": 52}
